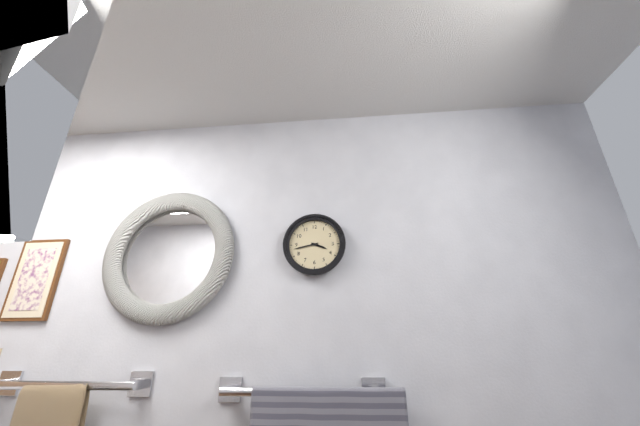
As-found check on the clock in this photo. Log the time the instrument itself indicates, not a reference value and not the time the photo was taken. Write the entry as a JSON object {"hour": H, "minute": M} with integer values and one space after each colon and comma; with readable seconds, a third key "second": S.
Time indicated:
{"hour": 3, "minute": 43}
